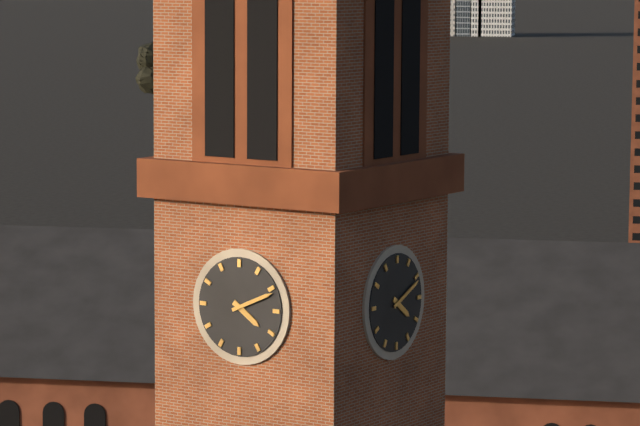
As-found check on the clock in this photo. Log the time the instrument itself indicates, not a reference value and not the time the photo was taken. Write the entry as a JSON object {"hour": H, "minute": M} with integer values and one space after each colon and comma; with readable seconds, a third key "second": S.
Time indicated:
{"hour": 4, "minute": 11}
